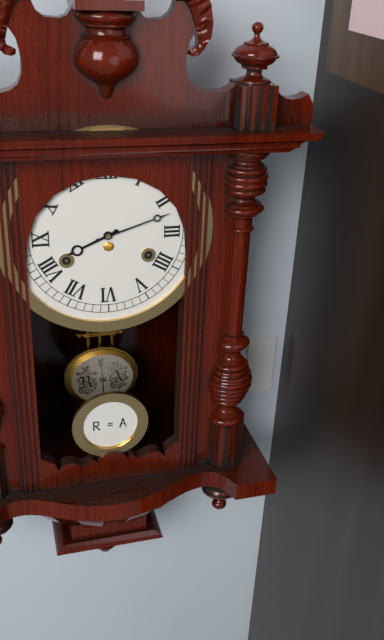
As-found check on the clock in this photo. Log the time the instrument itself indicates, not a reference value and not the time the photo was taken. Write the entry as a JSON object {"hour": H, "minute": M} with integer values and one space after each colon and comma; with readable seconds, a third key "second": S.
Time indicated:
{"hour": 8, "minute": 12}
